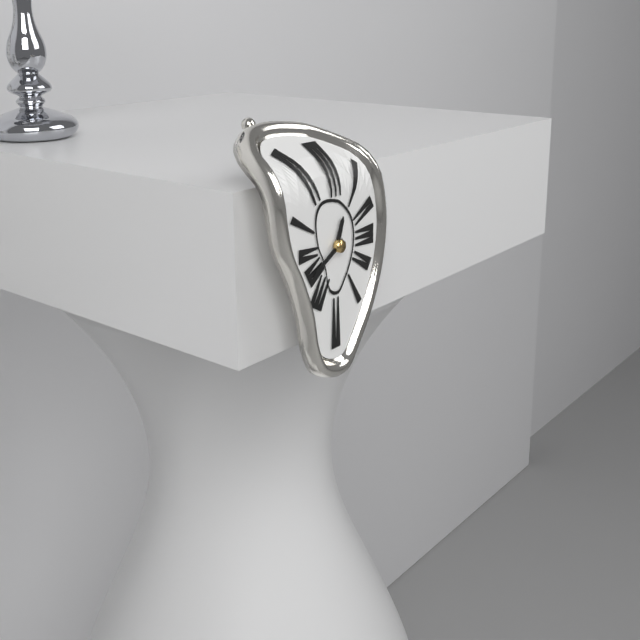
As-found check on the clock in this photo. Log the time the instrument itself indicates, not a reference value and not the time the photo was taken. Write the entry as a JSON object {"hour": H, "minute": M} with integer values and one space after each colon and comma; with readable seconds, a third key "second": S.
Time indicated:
{"hour": 12, "minute": 40}
